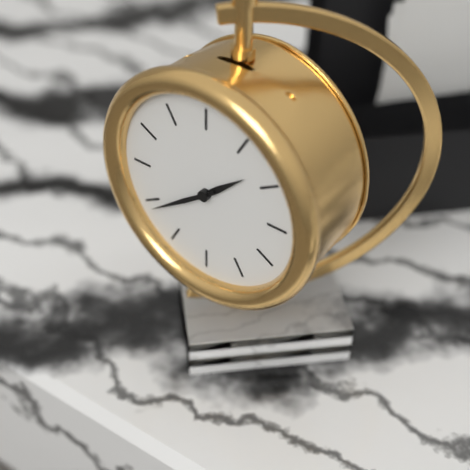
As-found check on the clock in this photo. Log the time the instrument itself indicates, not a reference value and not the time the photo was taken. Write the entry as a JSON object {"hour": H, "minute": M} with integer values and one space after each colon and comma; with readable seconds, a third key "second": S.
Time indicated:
{"hour": 1, "minute": 39}
